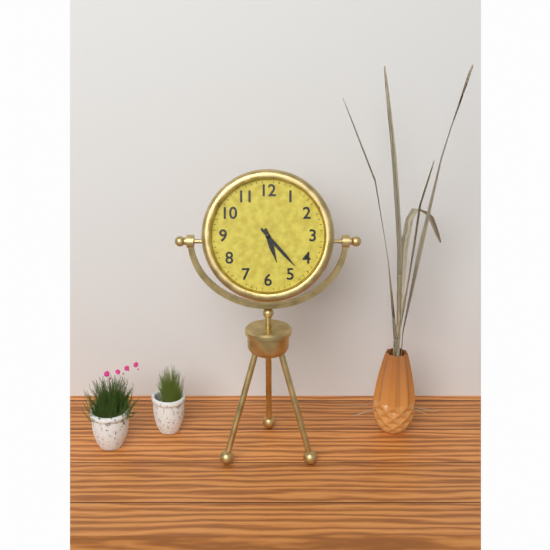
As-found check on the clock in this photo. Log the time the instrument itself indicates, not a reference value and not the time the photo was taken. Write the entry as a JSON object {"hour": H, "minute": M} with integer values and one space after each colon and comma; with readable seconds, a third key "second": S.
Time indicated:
{"hour": 5, "minute": 23}
